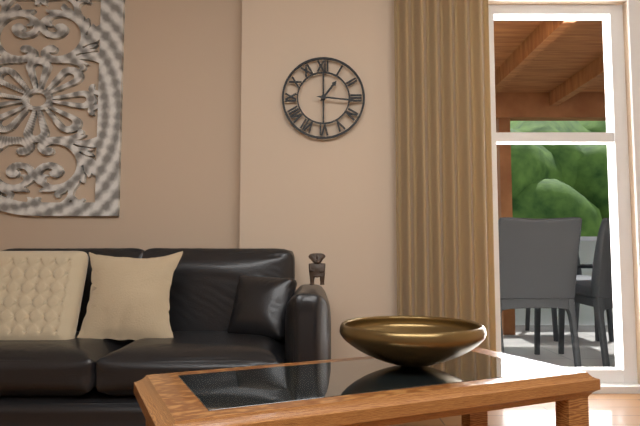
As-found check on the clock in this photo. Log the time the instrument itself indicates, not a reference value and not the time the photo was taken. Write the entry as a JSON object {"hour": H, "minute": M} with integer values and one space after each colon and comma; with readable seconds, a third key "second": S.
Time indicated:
{"hour": 1, "minute": 16}
